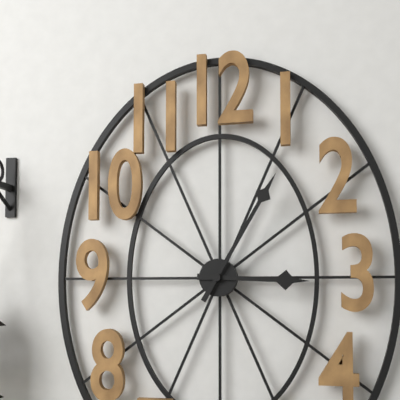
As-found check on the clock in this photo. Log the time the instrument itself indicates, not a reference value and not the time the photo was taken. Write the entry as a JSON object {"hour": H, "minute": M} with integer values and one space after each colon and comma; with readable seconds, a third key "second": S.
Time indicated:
{"hour": 3, "minute": 5}
